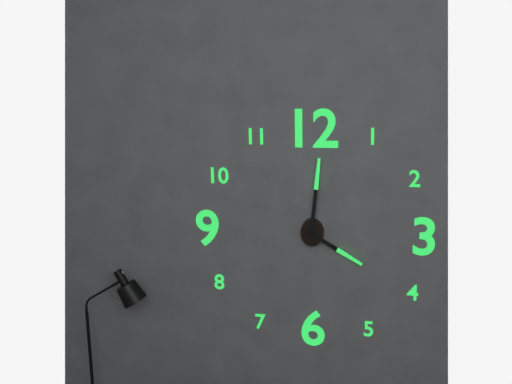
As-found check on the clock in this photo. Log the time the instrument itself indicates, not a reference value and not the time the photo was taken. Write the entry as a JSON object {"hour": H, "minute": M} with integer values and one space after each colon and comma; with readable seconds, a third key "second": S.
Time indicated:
{"hour": 4, "minute": 1}
